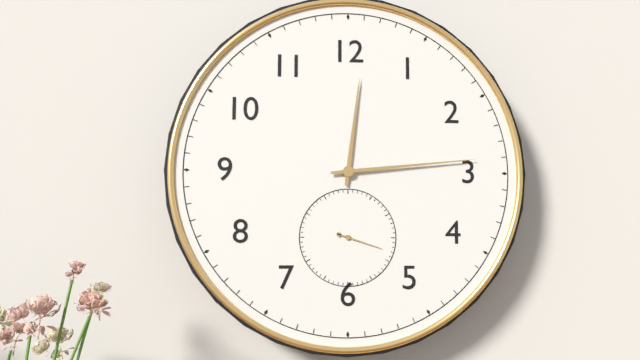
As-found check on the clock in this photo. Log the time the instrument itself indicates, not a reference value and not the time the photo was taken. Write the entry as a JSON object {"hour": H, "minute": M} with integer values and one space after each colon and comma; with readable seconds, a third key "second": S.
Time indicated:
{"hour": 12, "minute": 14}
